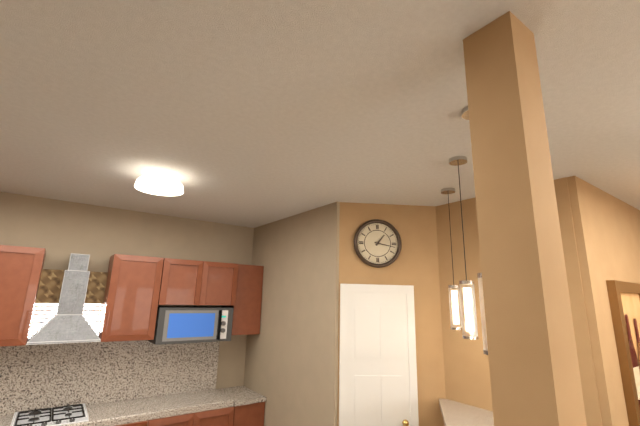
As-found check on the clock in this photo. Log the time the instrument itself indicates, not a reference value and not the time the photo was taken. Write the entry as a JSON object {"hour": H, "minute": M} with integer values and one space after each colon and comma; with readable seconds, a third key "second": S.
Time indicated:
{"hour": 1, "minute": 17}
